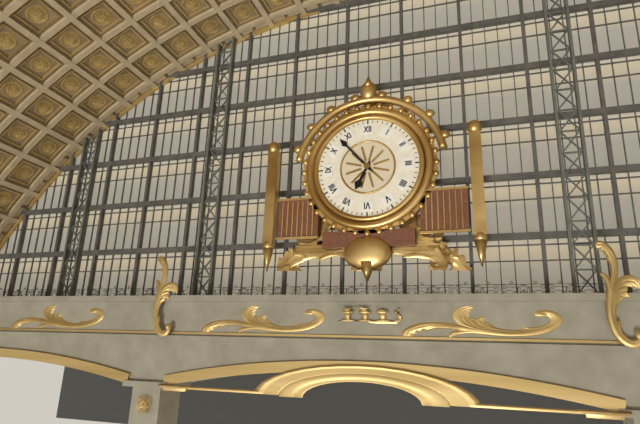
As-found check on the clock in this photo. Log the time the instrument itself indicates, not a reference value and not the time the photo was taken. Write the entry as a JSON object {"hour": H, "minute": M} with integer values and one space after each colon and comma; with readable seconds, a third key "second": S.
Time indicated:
{"hour": 6, "minute": 53}
